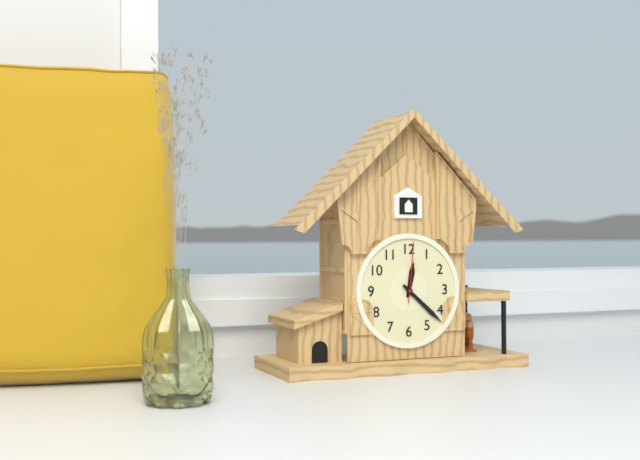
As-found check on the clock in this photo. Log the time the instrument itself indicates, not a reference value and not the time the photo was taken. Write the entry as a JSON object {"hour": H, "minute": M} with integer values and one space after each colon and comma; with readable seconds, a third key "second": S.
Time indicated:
{"hour": 12, "minute": 22, "second": 1}
